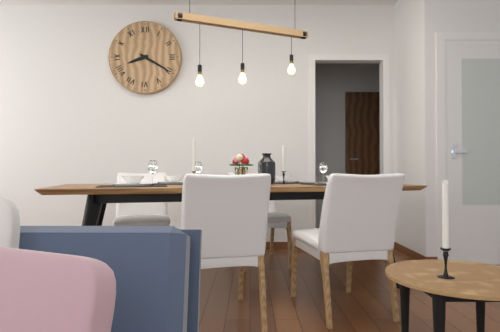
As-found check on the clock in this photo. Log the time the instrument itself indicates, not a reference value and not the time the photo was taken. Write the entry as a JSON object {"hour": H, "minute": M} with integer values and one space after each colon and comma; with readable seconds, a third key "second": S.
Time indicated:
{"hour": 8, "minute": 20}
